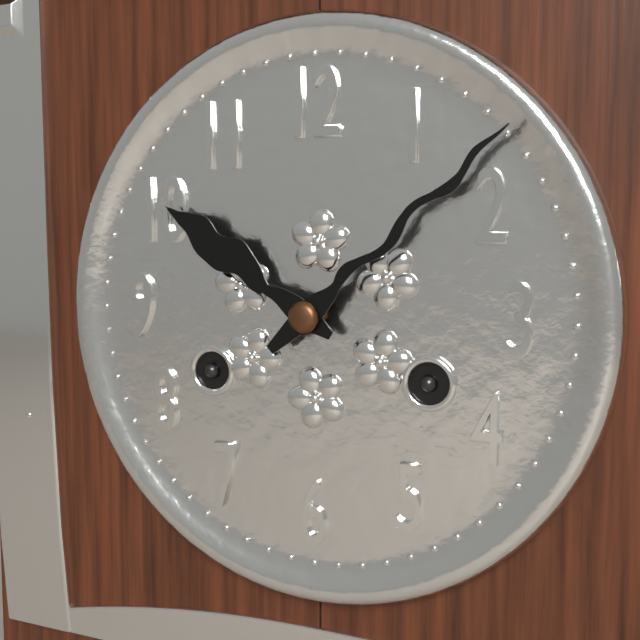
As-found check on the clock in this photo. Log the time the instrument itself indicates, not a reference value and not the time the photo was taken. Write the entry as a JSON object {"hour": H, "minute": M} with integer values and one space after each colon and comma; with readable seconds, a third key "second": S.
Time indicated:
{"hour": 10, "minute": 8}
